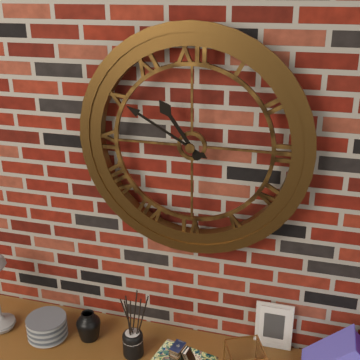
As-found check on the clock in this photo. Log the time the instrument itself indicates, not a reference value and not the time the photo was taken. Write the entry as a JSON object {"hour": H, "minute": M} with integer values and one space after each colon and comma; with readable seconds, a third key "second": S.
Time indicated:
{"hour": 10, "minute": 50}
